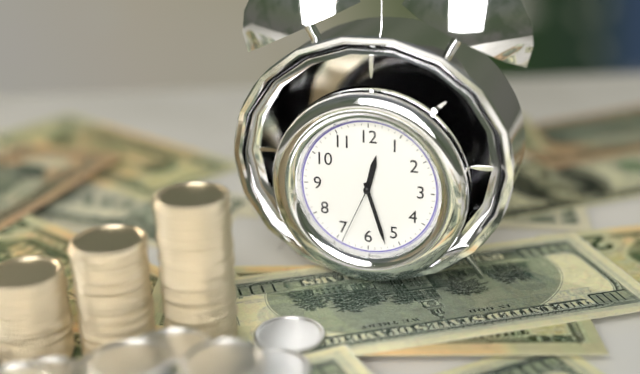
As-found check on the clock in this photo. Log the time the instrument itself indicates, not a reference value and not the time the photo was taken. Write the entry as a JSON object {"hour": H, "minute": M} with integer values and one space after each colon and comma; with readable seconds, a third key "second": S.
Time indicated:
{"hour": 12, "minute": 27, "second": 34}
